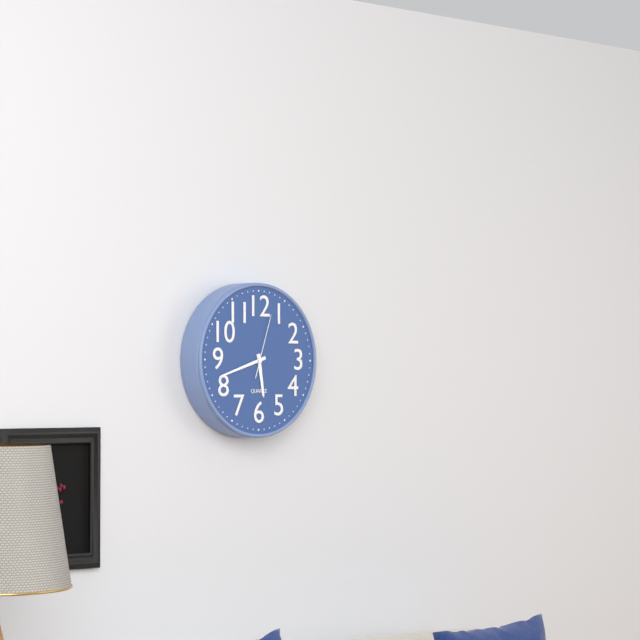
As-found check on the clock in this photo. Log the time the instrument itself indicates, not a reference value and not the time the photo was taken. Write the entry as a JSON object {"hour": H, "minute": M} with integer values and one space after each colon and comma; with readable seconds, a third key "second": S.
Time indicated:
{"hour": 5, "minute": 42, "second": 3}
